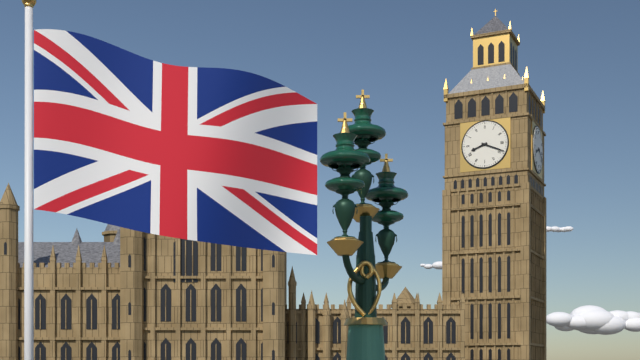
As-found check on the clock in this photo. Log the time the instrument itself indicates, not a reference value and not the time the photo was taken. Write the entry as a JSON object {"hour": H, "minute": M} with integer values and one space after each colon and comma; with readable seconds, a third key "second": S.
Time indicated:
{"hour": 8, "minute": 19}
